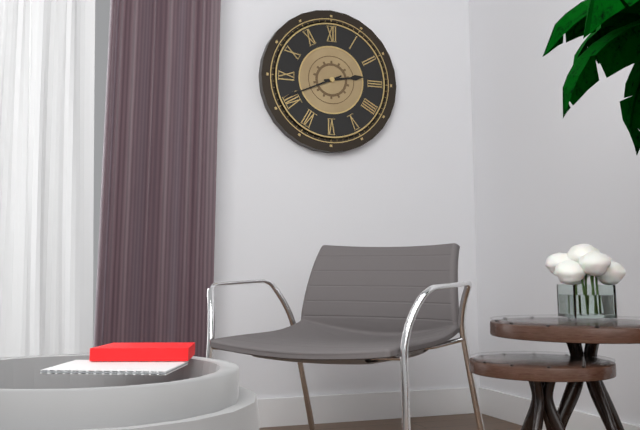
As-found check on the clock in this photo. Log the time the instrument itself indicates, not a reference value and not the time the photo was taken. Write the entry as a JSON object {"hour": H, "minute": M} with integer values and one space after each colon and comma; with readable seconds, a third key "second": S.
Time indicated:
{"hour": 2, "minute": 41}
